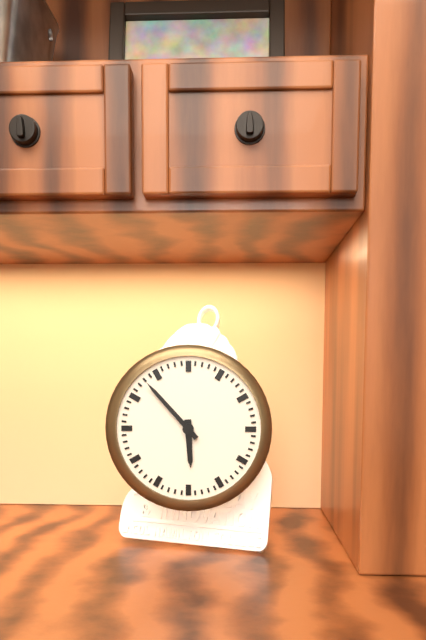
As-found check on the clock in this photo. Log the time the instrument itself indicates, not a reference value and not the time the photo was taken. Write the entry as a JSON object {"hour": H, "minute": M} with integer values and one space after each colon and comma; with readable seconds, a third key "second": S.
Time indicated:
{"hour": 5, "minute": 53}
